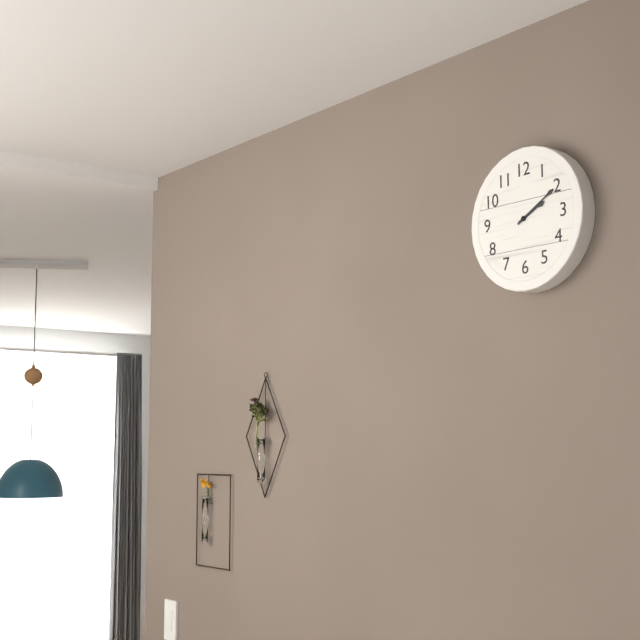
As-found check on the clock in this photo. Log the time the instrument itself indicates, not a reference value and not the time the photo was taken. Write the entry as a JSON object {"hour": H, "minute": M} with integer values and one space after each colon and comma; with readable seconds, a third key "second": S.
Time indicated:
{"hour": 2, "minute": 10}
